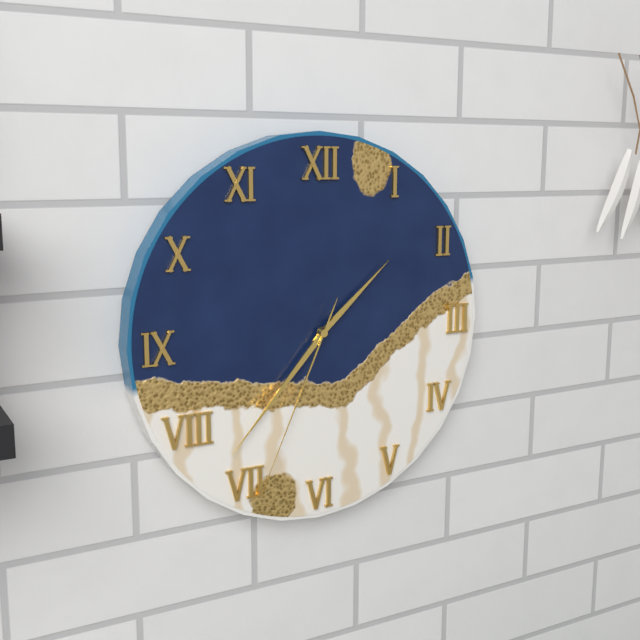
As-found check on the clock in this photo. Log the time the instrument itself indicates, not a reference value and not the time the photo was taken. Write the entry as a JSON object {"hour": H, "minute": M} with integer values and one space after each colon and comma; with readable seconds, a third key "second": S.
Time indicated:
{"hour": 1, "minute": 37, "second": 34}
